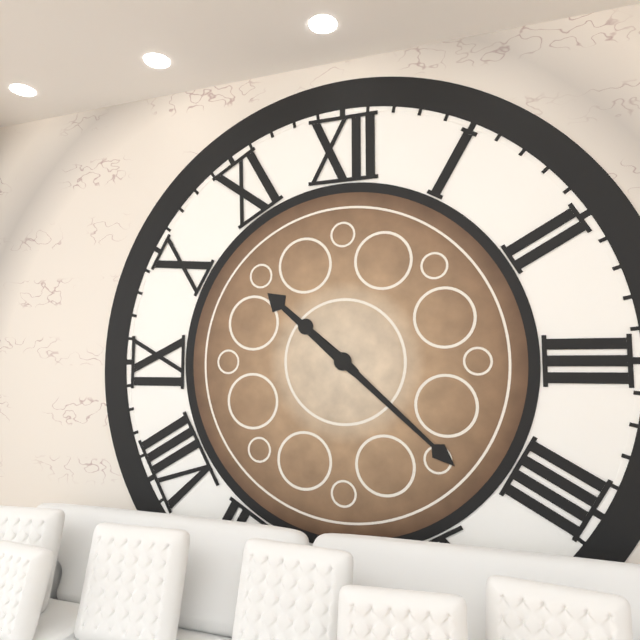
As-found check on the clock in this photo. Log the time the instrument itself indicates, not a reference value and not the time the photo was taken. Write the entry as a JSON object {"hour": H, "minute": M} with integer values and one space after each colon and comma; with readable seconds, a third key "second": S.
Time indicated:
{"hour": 10, "minute": 22}
